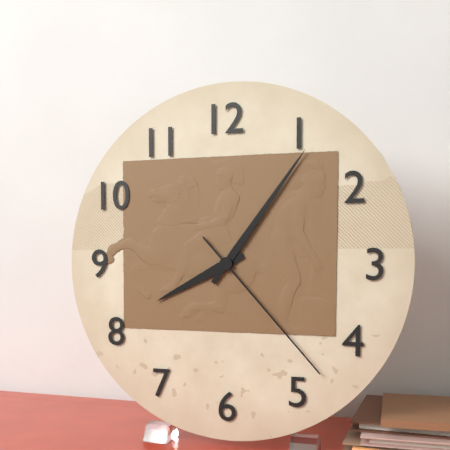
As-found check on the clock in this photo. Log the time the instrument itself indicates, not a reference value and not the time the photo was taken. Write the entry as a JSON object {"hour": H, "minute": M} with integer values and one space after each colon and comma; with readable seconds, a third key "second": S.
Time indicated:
{"hour": 8, "minute": 6, "second": 23}
